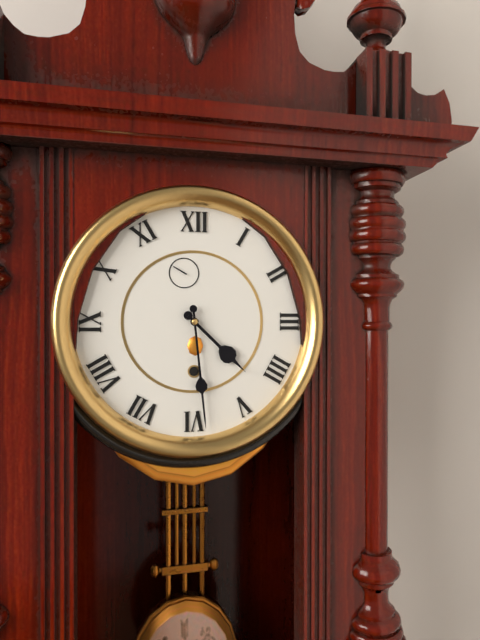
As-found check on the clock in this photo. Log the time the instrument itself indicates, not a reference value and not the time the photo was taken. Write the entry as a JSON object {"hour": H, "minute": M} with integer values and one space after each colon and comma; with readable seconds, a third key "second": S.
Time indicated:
{"hour": 4, "minute": 29}
